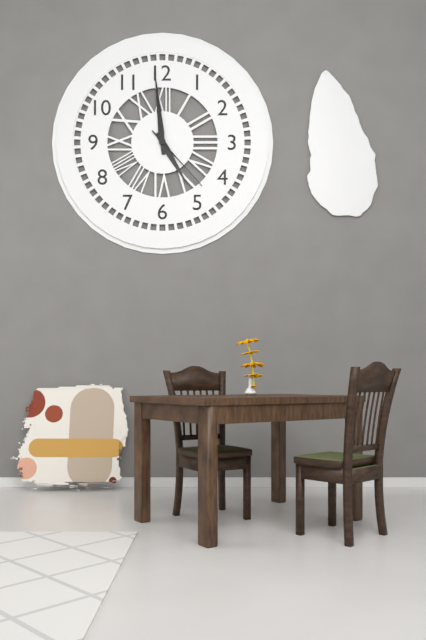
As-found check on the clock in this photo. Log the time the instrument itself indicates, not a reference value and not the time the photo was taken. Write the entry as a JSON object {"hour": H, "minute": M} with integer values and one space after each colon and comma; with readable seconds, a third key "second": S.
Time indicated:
{"hour": 4, "minute": 59, "second": 23}
